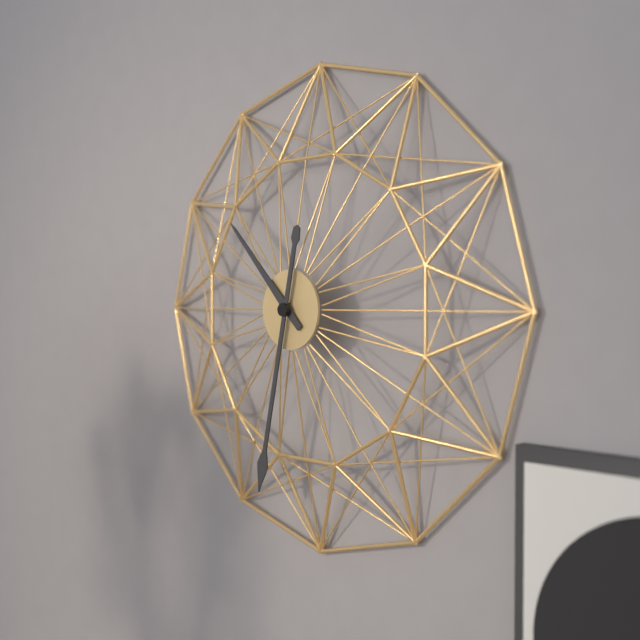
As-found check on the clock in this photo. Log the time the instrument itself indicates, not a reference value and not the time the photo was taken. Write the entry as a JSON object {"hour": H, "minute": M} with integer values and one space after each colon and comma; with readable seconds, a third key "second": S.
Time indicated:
{"hour": 10, "minute": 32}
